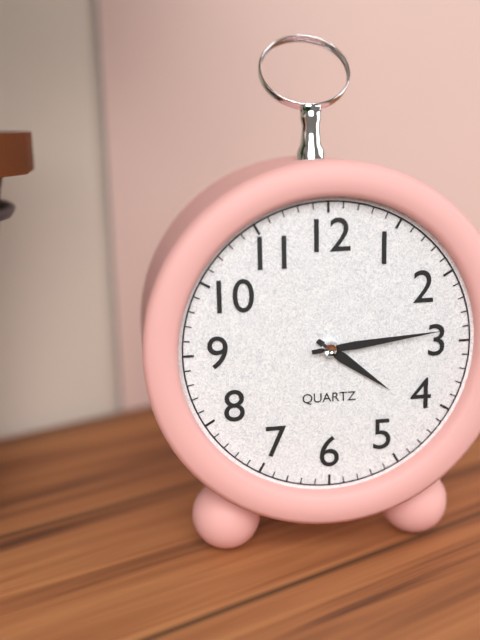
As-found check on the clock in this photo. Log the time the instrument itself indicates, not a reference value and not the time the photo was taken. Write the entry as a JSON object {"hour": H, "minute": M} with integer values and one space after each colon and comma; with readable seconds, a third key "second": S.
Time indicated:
{"hour": 4, "minute": 14}
